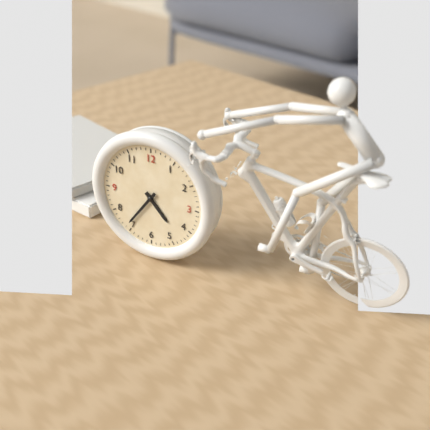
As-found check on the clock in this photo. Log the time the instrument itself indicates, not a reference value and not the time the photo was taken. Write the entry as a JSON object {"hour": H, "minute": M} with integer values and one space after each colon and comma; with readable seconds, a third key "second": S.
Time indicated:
{"hour": 4, "minute": 36}
